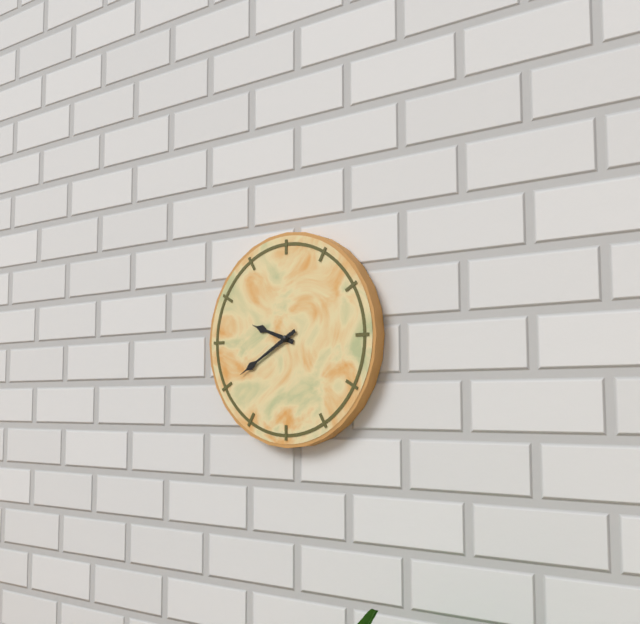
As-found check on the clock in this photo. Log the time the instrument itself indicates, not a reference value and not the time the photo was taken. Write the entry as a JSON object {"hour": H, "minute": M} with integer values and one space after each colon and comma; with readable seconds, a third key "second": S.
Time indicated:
{"hour": 9, "minute": 40}
